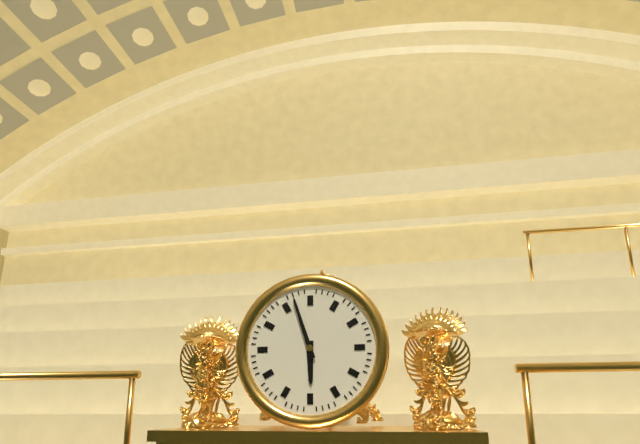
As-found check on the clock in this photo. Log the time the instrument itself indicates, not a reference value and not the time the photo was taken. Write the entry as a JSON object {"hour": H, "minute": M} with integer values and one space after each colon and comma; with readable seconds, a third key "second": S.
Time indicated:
{"hour": 5, "minute": 57}
